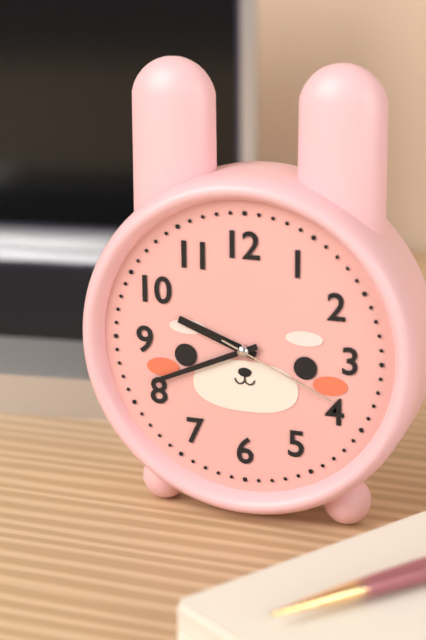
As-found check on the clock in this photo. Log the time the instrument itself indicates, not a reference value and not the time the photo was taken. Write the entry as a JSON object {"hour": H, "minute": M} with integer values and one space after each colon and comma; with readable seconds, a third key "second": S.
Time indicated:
{"hour": 9, "minute": 41, "second": 19}
